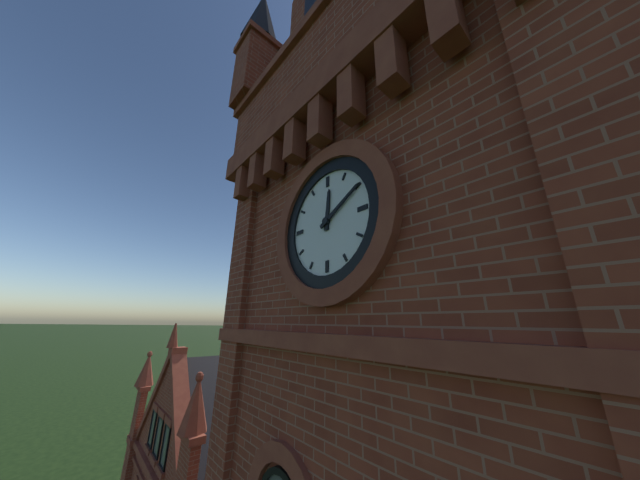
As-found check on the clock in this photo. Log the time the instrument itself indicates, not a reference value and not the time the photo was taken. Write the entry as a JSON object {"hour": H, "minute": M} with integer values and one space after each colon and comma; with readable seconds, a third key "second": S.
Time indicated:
{"hour": 12, "minute": 10}
